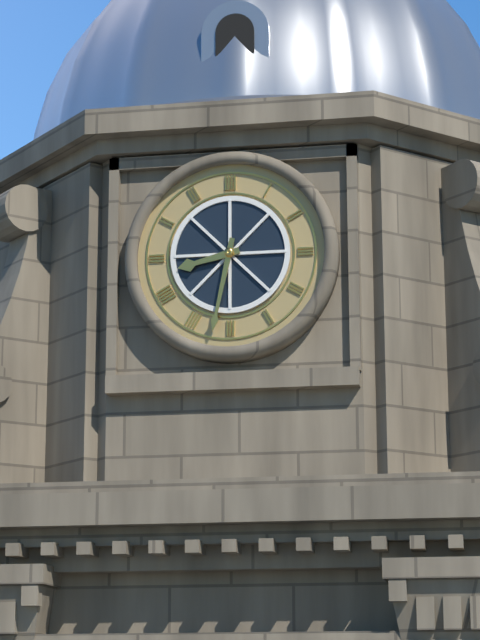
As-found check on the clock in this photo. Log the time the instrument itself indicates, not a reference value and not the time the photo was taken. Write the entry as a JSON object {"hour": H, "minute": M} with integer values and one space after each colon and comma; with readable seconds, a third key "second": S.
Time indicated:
{"hour": 8, "minute": 32}
